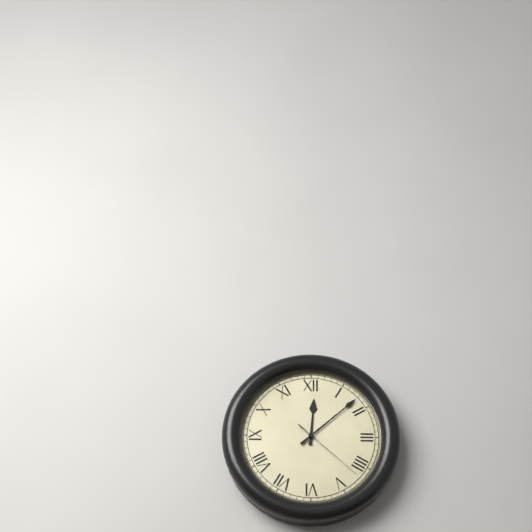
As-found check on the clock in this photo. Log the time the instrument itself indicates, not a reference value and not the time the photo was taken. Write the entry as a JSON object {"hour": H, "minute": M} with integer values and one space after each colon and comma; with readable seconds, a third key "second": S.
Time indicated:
{"hour": 12, "minute": 8, "second": 22}
